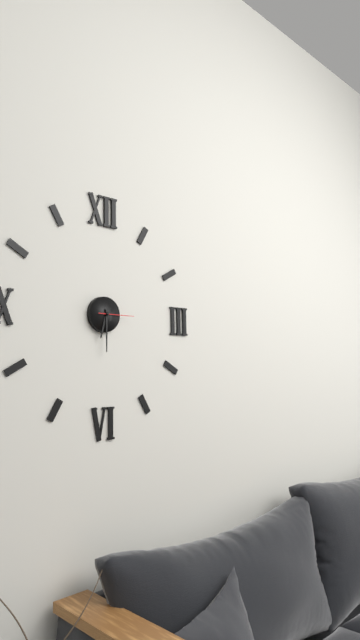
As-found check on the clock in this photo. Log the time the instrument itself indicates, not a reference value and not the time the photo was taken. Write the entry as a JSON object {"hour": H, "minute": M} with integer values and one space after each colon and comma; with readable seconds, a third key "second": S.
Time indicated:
{"hour": 6, "minute": 30}
